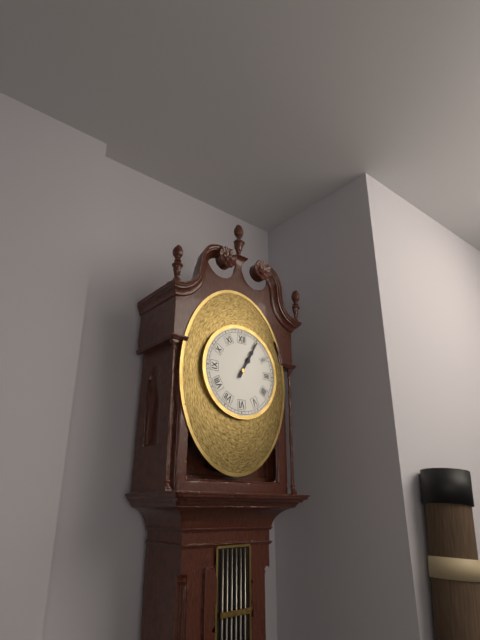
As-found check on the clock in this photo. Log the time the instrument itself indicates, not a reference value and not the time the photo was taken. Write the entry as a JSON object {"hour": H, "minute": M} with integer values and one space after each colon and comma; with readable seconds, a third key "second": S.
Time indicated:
{"hour": 1, "minute": 5}
